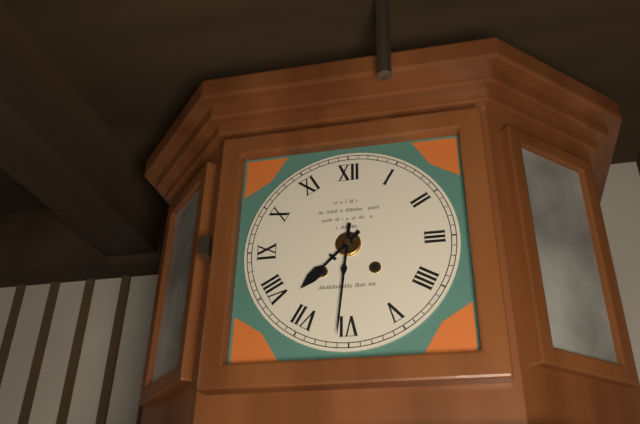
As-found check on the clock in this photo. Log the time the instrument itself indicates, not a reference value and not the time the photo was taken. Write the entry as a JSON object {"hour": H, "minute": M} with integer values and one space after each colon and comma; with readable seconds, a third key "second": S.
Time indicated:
{"hour": 7, "minute": 31}
